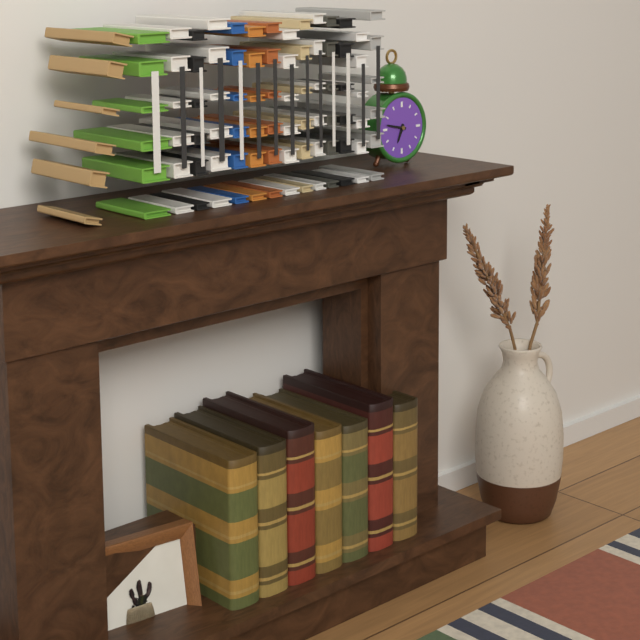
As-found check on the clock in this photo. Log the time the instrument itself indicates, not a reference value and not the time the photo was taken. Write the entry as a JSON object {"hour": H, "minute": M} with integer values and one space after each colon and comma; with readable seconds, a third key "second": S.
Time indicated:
{"hour": 6, "minute": 47}
